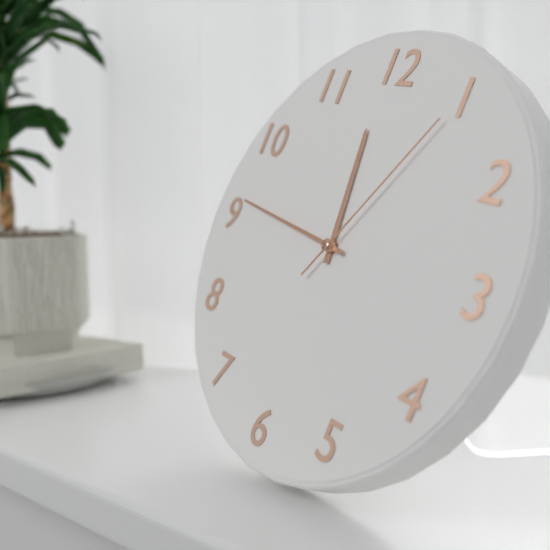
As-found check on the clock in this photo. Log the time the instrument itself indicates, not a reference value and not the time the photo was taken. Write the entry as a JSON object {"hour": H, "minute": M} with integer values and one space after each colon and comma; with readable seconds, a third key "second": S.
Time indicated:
{"hour": 11, "minute": 46, "second": 5}
